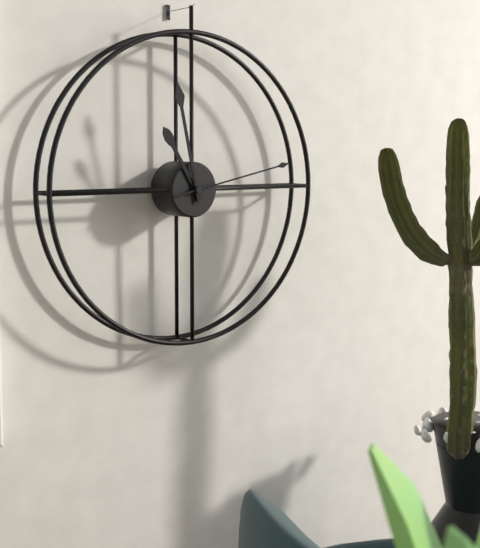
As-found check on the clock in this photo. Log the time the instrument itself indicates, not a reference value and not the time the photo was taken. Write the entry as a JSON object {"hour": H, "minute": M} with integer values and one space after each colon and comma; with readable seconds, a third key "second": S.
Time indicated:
{"hour": 10, "minute": 58, "second": 13}
